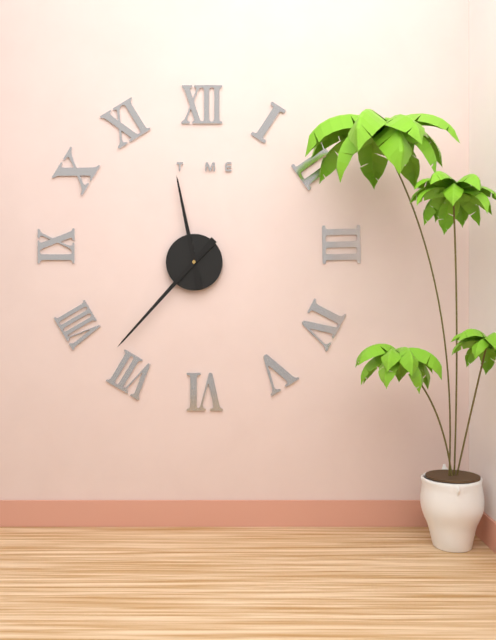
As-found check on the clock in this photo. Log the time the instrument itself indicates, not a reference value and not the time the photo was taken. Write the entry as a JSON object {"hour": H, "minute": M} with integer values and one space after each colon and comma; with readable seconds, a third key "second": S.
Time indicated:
{"hour": 11, "minute": 37}
